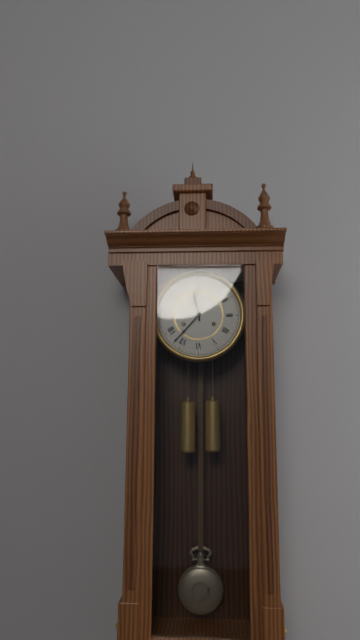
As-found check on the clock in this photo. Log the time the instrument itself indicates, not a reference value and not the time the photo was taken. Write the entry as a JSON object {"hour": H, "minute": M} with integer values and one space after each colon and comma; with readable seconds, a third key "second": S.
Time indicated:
{"hour": 11, "minute": 37}
